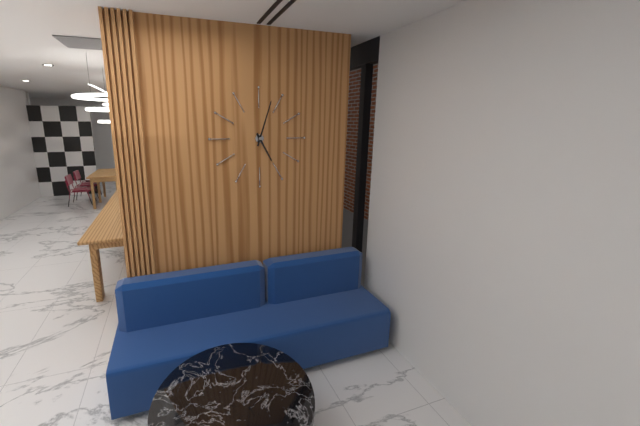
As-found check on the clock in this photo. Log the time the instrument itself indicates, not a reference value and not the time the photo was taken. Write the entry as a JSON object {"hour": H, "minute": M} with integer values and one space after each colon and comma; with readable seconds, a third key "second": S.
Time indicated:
{"hour": 5, "minute": 3}
